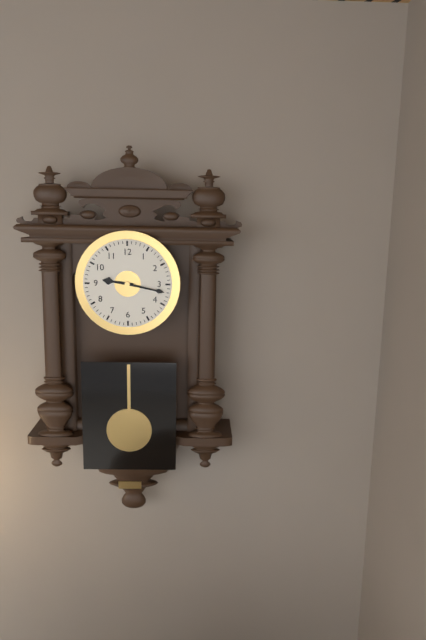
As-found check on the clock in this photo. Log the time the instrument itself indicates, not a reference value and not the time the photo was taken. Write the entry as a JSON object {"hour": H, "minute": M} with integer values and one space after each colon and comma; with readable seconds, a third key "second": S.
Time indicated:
{"hour": 9, "minute": 17}
